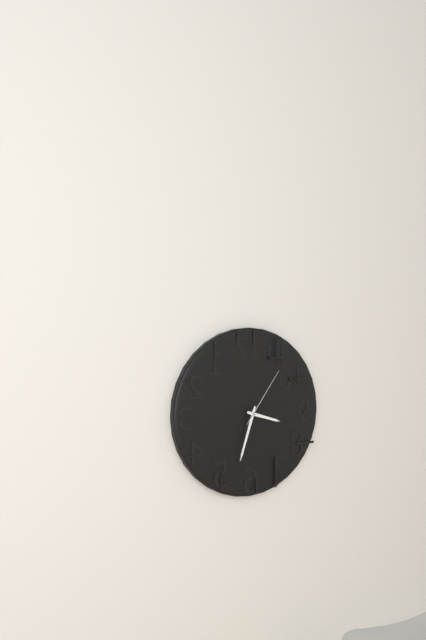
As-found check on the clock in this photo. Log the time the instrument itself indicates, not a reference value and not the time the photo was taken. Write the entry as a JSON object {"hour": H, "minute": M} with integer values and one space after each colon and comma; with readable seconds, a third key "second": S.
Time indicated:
{"hour": 3, "minute": 33, "second": 6}
